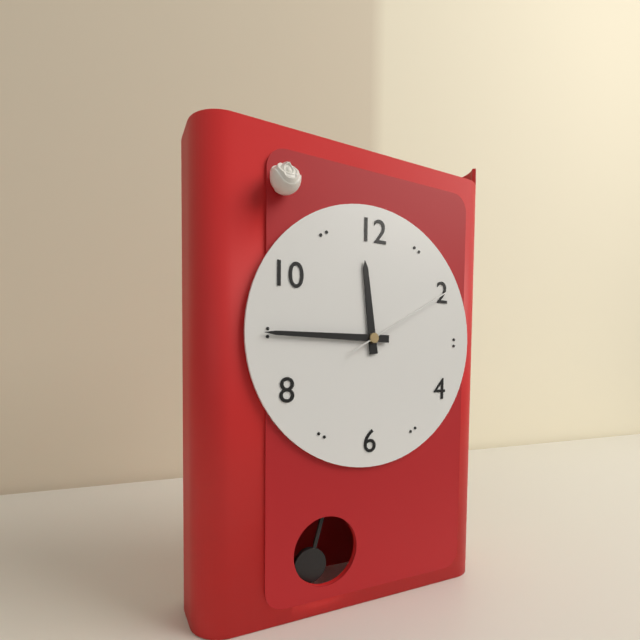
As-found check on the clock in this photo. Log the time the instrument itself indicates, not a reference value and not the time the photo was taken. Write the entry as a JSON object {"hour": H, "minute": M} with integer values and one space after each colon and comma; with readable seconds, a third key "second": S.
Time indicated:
{"hour": 11, "minute": 45, "second": 10}
